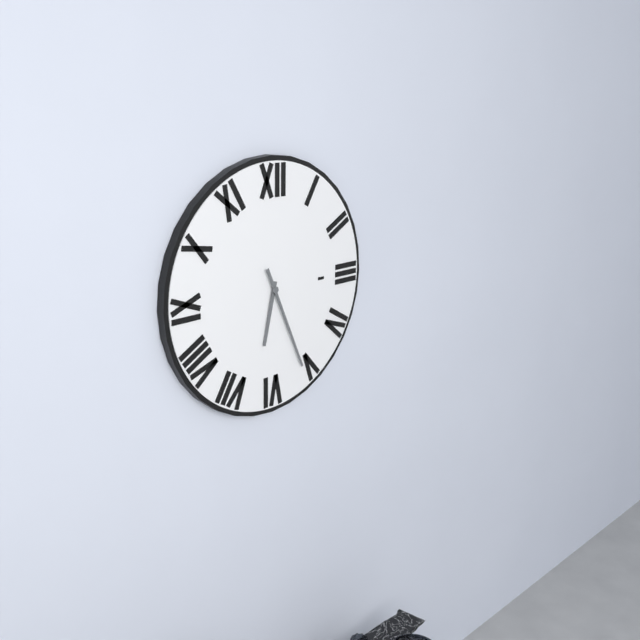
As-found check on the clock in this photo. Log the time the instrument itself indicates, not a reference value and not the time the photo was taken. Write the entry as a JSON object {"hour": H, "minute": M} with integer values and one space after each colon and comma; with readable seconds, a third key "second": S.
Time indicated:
{"hour": 6, "minute": 26}
